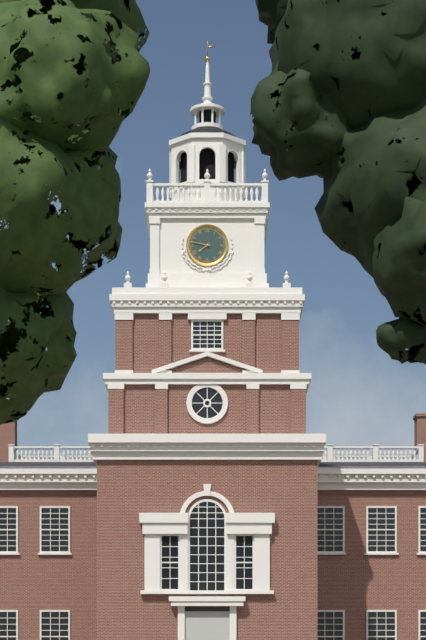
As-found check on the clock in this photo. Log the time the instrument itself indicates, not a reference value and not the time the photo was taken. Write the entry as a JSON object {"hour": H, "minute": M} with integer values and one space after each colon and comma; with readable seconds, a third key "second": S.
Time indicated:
{"hour": 7, "minute": 47}
